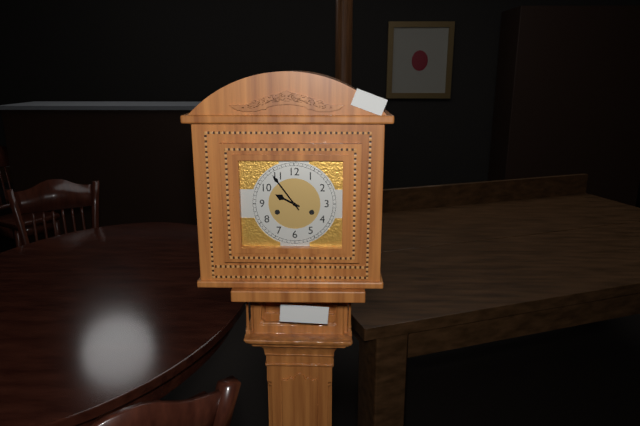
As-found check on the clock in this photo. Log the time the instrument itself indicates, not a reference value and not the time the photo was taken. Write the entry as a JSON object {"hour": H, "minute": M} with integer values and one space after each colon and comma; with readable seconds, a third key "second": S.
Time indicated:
{"hour": 9, "minute": 54}
